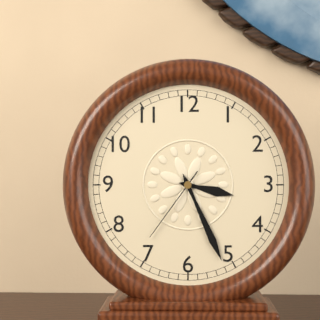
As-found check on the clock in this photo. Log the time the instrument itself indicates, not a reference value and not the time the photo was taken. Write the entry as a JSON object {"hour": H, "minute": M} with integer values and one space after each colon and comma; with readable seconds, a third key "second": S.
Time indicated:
{"hour": 3, "minute": 26, "second": 36}
